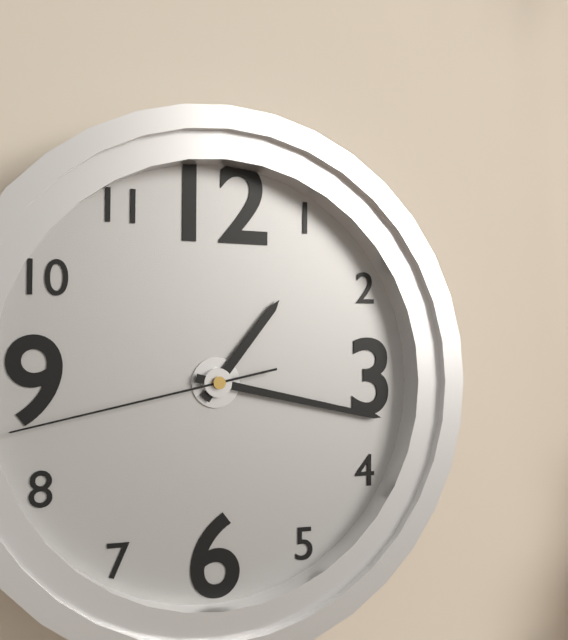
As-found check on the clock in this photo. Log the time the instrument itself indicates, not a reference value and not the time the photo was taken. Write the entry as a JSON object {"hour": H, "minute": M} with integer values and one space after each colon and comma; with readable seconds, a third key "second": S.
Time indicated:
{"hour": 1, "minute": 17, "second": 43}
